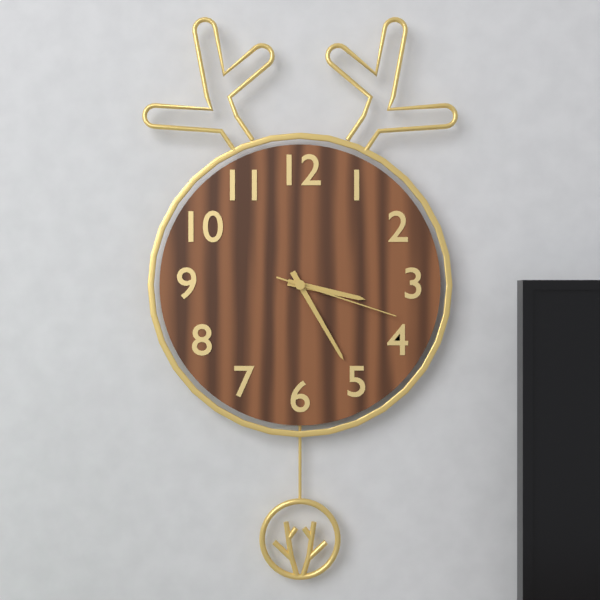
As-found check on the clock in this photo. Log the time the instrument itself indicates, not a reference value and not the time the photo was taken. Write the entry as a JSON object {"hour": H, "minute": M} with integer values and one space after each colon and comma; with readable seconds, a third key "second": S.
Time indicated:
{"hour": 3, "minute": 25, "second": 18}
